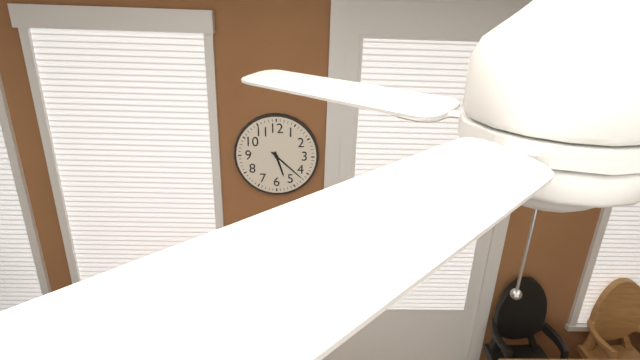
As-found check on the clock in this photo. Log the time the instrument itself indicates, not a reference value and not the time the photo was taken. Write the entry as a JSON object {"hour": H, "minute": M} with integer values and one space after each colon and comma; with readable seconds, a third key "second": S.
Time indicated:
{"hour": 5, "minute": 22}
